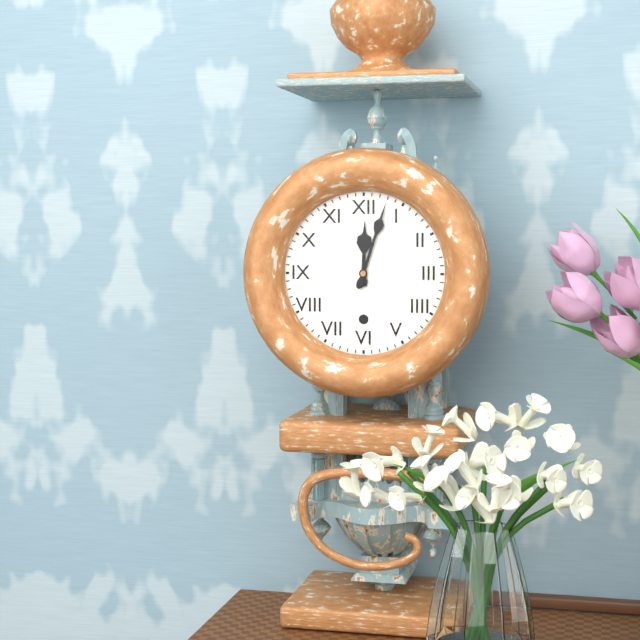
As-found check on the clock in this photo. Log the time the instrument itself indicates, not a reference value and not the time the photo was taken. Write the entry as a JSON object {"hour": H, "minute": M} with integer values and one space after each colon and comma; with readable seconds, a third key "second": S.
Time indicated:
{"hour": 12, "minute": 3}
